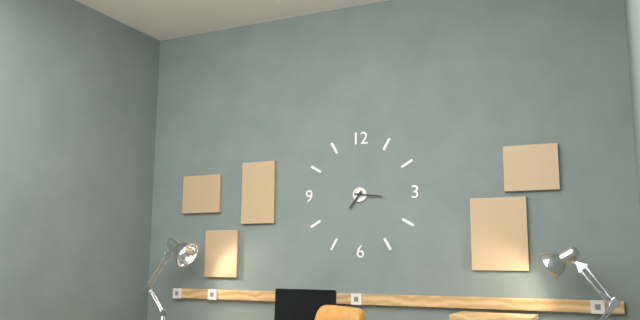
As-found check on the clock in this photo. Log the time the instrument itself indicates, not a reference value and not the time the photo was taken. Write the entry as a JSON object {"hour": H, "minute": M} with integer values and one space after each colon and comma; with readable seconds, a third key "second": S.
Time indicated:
{"hour": 7, "minute": 16}
